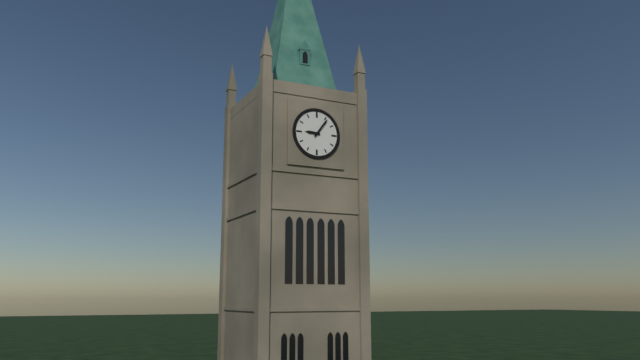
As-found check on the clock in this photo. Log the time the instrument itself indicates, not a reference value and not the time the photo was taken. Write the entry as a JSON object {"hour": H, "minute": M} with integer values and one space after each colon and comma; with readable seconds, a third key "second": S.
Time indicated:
{"hour": 9, "minute": 6}
